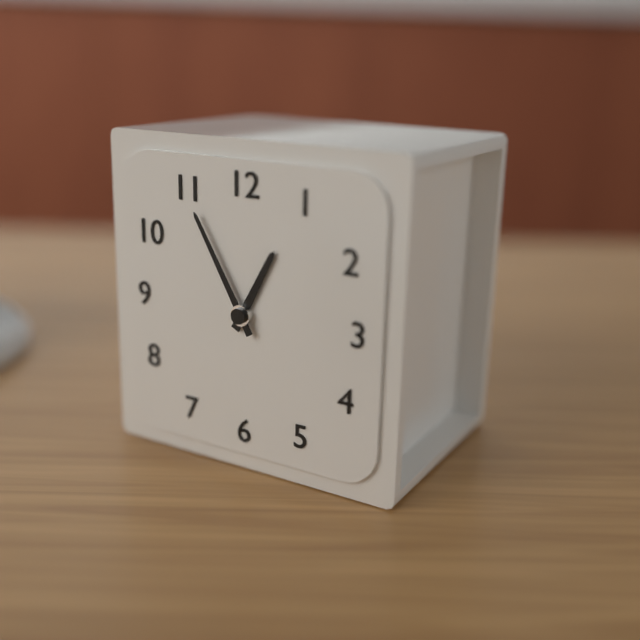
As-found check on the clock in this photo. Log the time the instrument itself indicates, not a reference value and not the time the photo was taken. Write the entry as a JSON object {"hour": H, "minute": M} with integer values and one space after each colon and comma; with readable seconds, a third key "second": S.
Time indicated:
{"hour": 12, "minute": 55}
